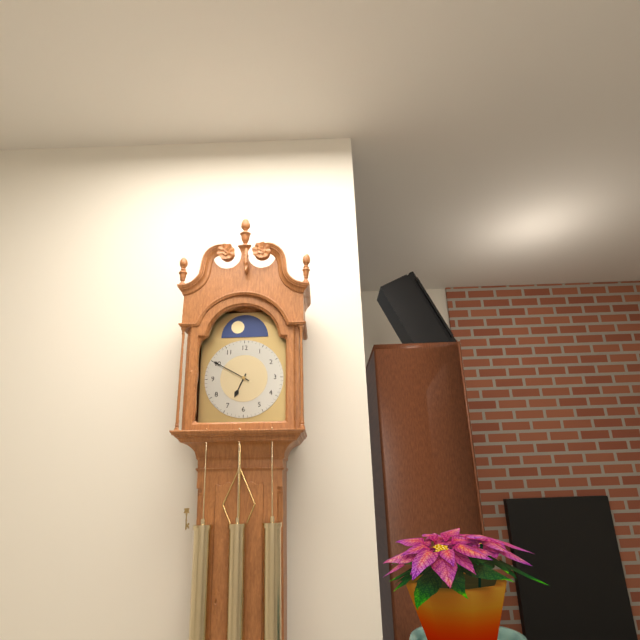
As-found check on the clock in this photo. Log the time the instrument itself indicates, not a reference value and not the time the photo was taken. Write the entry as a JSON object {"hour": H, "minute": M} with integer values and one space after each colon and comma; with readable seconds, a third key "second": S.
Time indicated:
{"hour": 6, "minute": 50}
